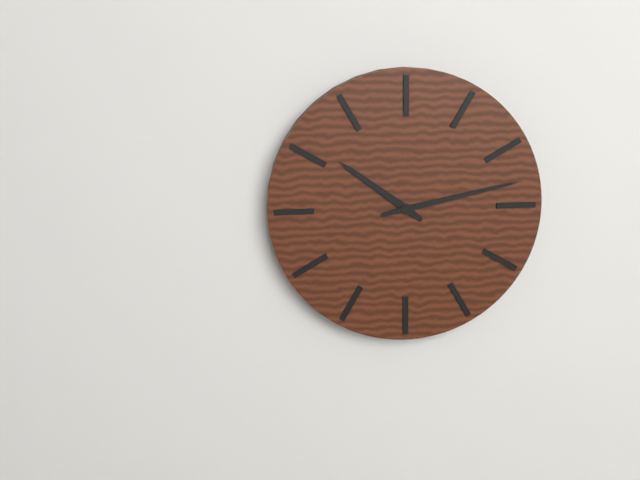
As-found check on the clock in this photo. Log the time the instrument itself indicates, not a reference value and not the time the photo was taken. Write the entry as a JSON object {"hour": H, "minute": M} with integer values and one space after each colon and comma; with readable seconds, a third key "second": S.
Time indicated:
{"hour": 10, "minute": 13}
